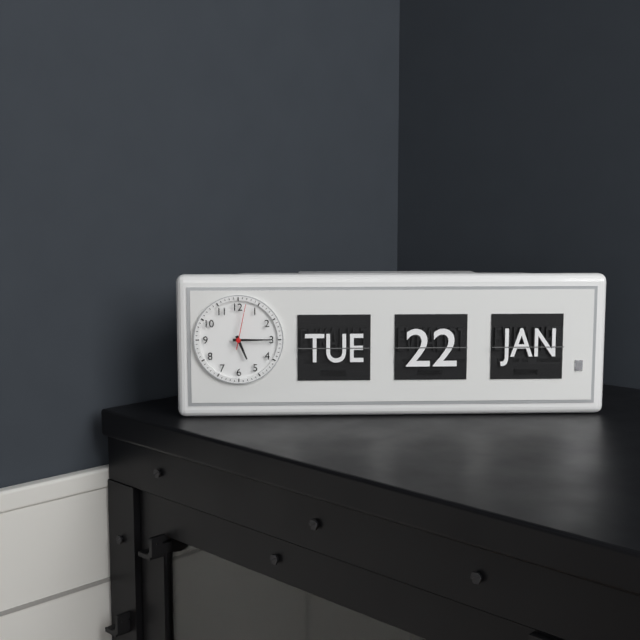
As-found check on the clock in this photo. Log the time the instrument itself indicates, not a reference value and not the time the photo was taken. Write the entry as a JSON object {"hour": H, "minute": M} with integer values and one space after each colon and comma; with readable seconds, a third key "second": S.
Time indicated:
{"hour": 5, "minute": 15}
